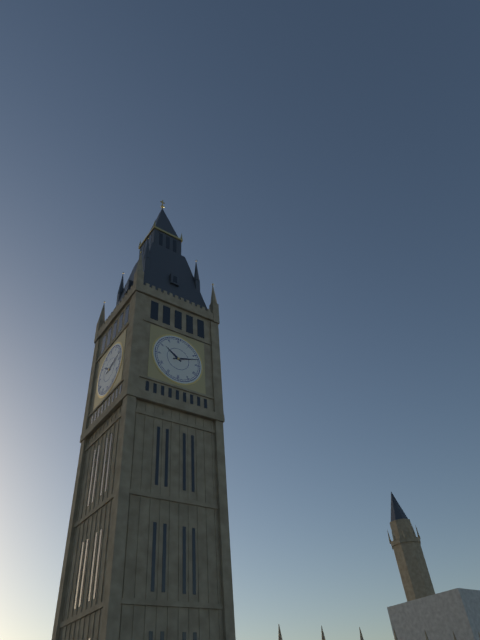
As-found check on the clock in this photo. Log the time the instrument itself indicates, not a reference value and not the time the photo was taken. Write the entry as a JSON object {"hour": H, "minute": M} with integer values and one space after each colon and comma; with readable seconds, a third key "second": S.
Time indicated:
{"hour": 10, "minute": 12}
